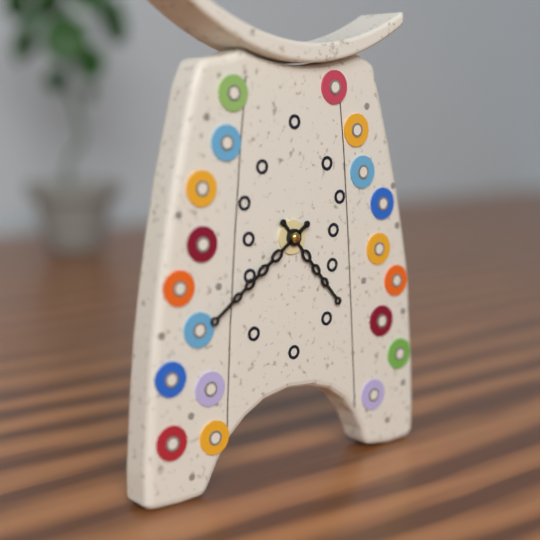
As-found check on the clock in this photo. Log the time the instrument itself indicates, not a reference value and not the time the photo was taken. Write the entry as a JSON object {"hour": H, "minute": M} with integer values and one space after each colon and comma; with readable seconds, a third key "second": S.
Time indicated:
{"hour": 4, "minute": 39}
